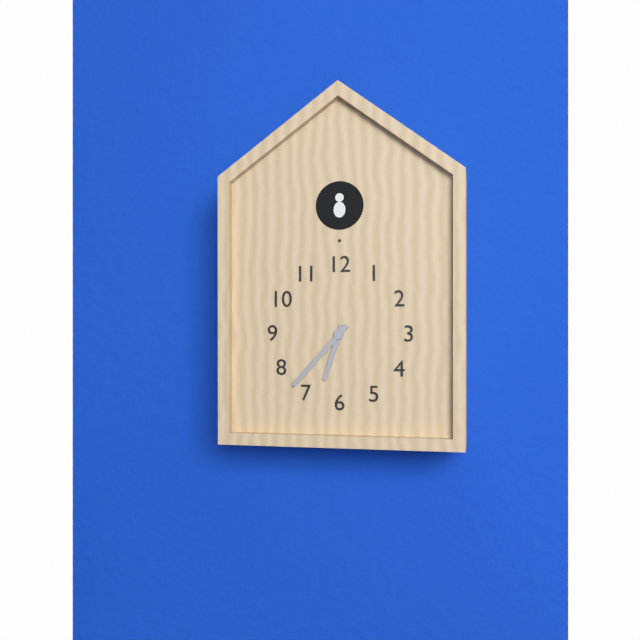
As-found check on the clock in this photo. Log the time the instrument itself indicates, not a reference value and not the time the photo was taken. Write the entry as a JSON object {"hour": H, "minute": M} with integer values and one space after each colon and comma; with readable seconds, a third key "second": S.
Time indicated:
{"hour": 6, "minute": 37}
